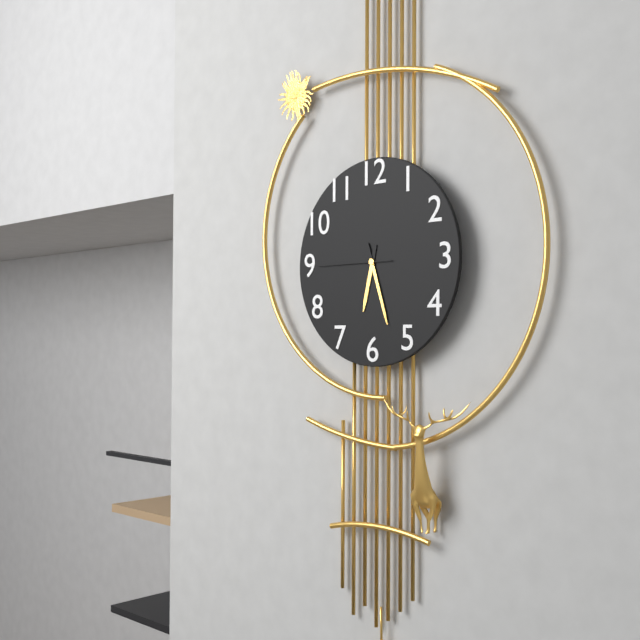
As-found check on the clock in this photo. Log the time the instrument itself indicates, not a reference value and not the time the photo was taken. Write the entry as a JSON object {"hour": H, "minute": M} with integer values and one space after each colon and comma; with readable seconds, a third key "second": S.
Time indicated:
{"hour": 6, "minute": 27, "second": 45}
